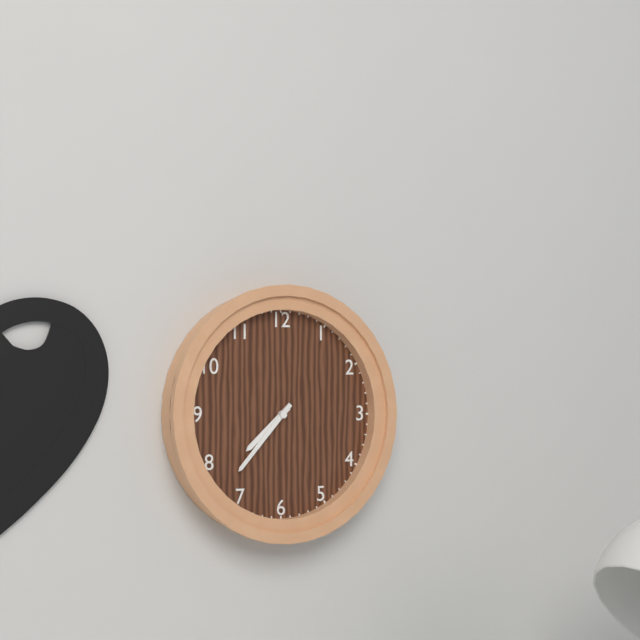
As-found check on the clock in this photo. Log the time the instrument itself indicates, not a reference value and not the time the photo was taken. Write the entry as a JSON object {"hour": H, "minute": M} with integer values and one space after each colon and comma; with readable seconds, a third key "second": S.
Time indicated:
{"hour": 7, "minute": 37}
